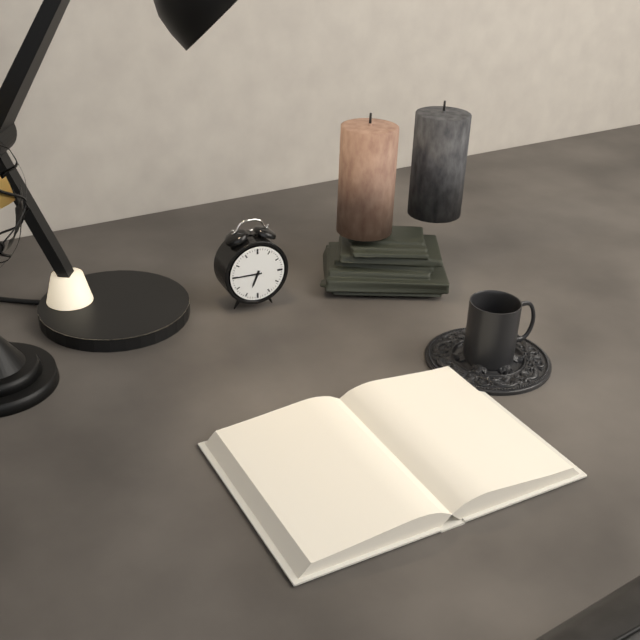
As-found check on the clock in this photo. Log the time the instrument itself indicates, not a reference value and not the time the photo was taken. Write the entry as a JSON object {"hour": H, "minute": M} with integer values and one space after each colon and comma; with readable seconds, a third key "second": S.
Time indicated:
{"hour": 6, "minute": 45}
